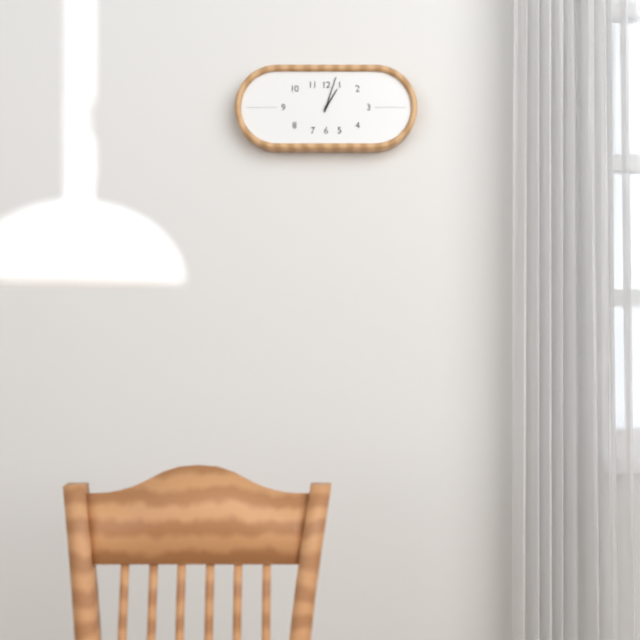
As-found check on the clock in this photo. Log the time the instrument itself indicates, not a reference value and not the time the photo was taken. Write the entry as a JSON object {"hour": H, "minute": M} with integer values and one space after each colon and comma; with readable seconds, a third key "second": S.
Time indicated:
{"hour": 1, "minute": 3}
